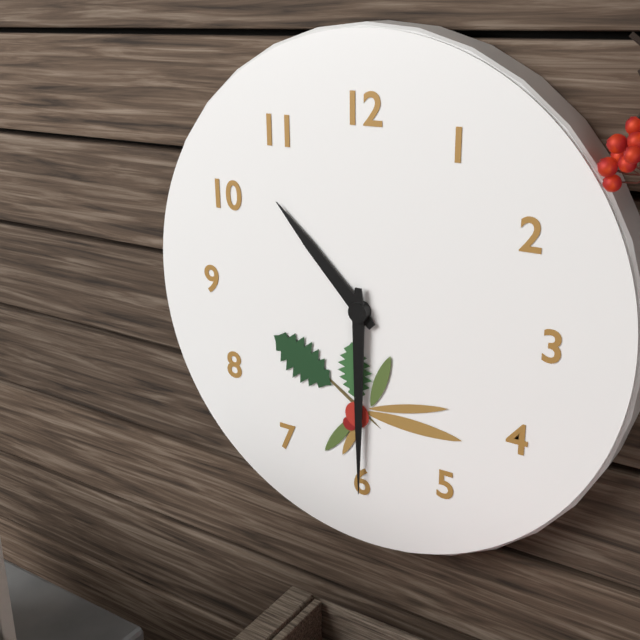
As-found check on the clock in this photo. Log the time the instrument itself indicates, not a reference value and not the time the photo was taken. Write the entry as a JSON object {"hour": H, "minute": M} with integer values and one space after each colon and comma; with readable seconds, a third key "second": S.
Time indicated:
{"hour": 10, "minute": 30}
